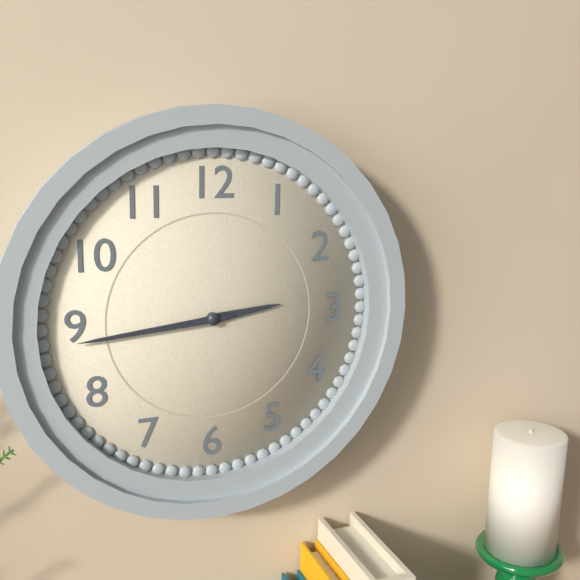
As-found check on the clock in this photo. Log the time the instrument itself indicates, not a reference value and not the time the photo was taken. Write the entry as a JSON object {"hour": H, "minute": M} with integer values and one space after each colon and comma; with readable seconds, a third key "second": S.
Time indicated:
{"hour": 2, "minute": 44}
